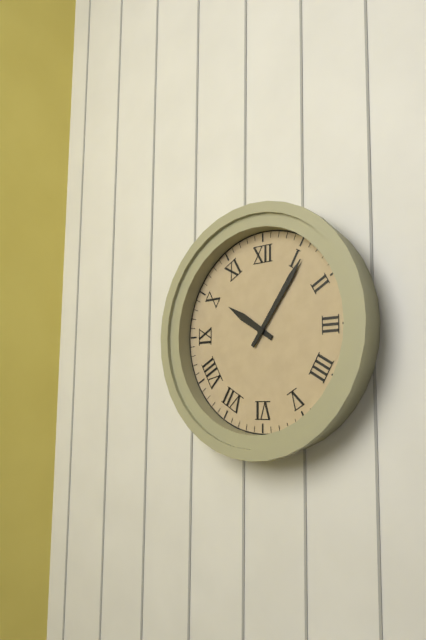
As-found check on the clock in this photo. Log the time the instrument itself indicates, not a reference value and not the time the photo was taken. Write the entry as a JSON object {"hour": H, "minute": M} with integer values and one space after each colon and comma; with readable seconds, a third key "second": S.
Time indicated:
{"hour": 10, "minute": 6}
